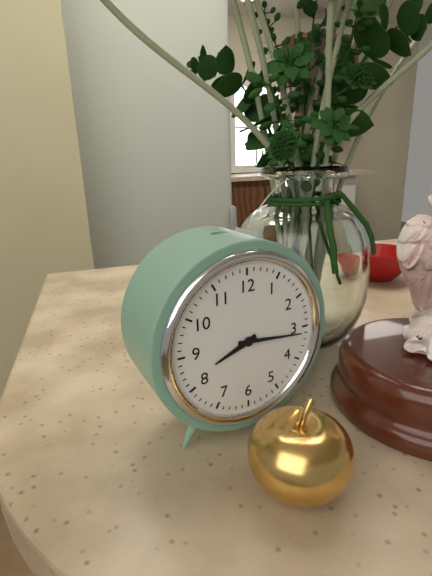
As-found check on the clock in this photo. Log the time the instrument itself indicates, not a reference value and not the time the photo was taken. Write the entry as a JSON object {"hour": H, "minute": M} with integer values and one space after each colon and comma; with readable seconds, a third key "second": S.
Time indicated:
{"hour": 8, "minute": 16}
